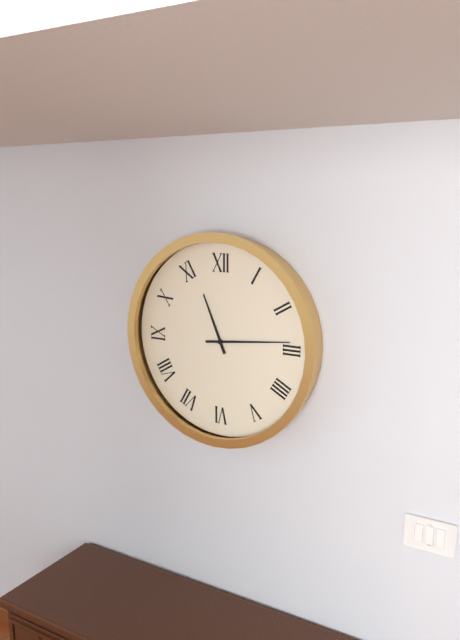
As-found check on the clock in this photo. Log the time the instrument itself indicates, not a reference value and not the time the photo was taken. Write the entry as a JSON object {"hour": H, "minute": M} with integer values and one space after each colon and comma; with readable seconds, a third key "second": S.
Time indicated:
{"hour": 11, "minute": 14}
